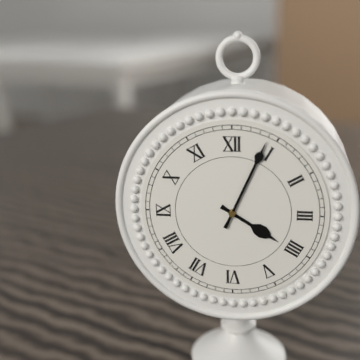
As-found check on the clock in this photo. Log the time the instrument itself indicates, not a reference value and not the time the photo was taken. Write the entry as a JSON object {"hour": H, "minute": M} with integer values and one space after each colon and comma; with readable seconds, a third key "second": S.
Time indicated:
{"hour": 4, "minute": 4}
